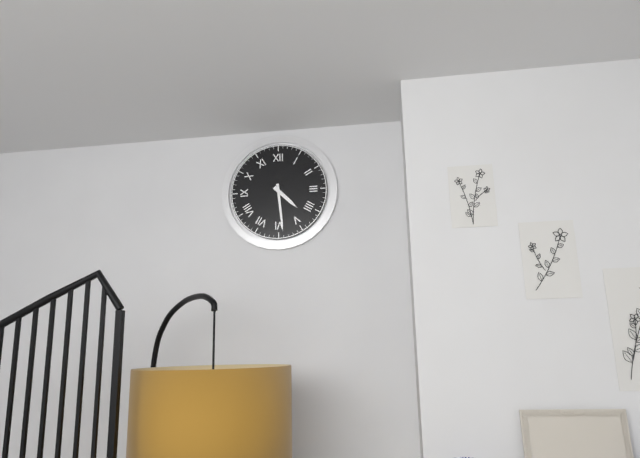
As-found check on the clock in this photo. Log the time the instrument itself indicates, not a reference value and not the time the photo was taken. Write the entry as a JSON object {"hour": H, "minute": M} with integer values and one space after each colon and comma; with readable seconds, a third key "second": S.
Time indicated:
{"hour": 4, "minute": 29}
